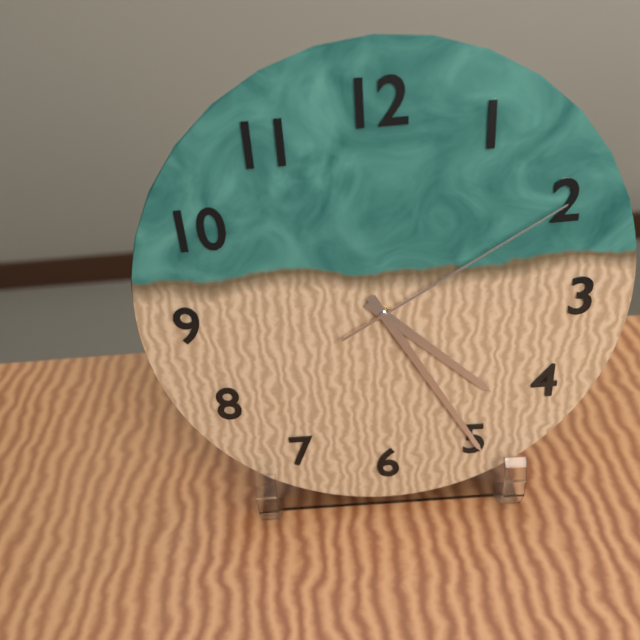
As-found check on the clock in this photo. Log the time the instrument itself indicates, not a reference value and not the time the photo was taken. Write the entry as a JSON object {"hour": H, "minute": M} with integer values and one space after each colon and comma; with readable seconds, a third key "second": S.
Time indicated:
{"hour": 4, "minute": 25, "second": 10}
